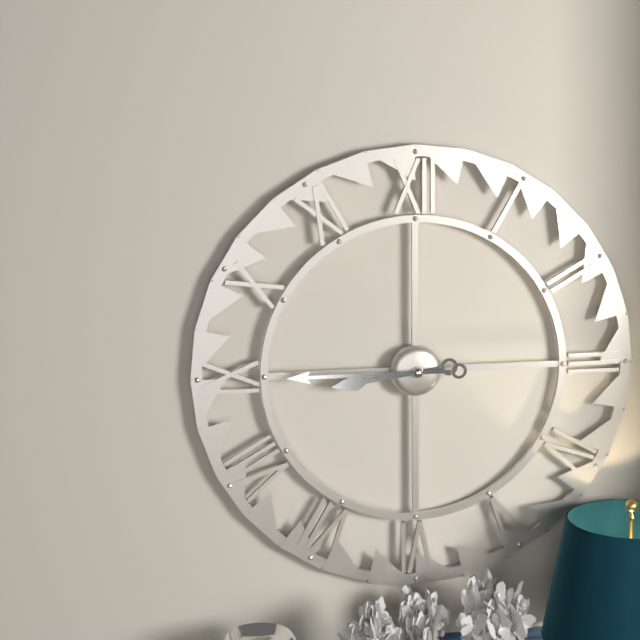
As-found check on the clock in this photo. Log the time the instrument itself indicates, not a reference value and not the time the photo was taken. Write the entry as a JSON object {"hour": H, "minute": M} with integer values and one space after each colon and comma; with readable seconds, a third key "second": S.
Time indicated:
{"hour": 8, "minute": 45}
